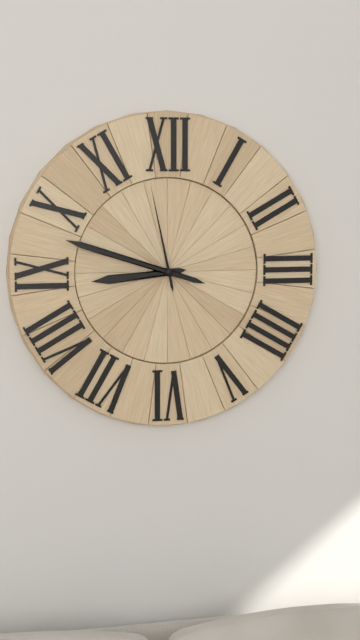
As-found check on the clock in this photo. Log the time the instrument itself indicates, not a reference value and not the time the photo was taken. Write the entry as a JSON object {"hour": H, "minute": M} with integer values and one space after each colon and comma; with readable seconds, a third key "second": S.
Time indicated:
{"hour": 8, "minute": 48, "second": 58}
